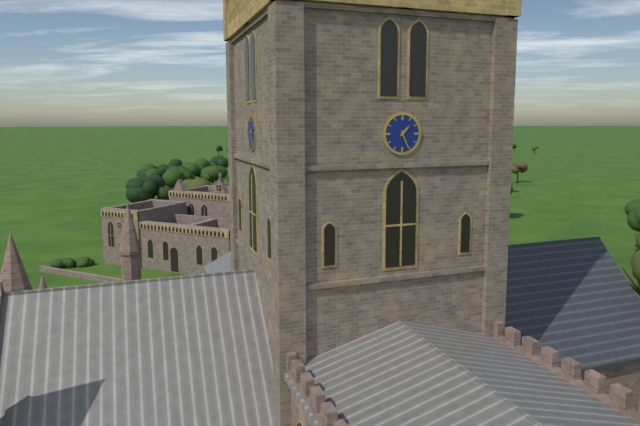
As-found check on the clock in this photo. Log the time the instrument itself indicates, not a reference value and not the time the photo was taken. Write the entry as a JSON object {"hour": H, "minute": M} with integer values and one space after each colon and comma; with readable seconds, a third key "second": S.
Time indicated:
{"hour": 1, "minute": 26}
